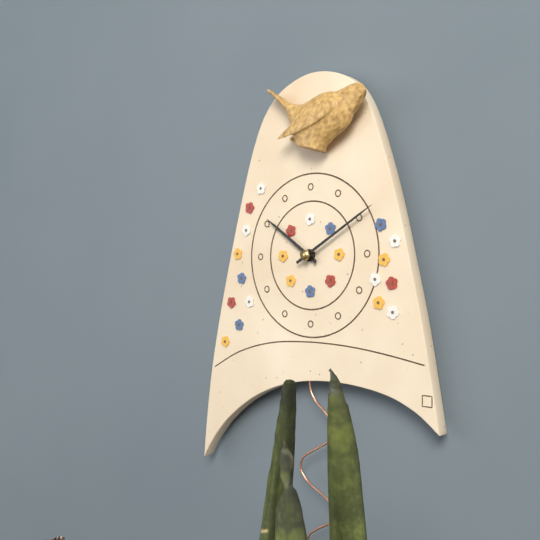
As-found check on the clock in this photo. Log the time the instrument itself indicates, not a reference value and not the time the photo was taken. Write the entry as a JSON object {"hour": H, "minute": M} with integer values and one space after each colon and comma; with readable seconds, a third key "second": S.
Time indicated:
{"hour": 10, "minute": 10}
